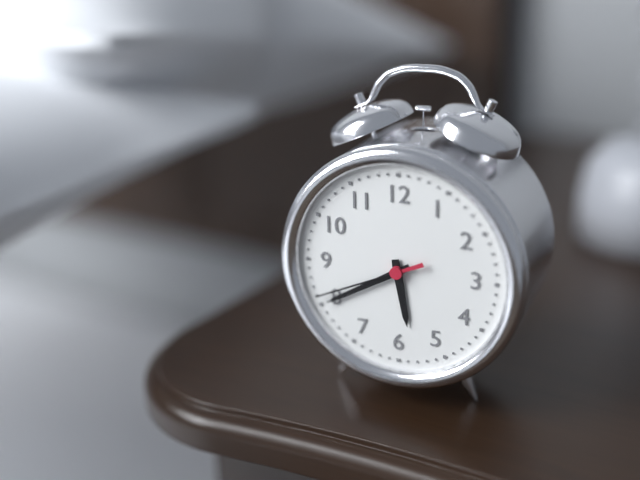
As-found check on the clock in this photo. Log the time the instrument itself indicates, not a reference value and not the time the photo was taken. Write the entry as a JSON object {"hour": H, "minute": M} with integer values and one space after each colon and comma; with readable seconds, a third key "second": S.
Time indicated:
{"hour": 5, "minute": 40, "second": 41}
